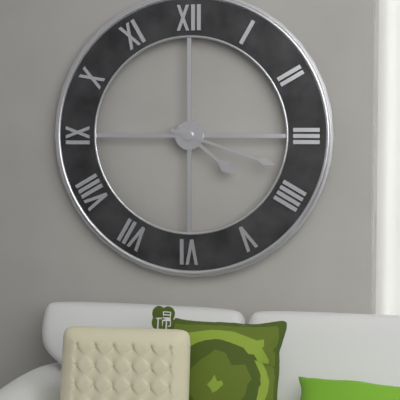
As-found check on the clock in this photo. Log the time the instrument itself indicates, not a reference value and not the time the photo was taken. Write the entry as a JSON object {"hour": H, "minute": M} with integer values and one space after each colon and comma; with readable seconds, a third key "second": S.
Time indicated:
{"hour": 4, "minute": 18}
